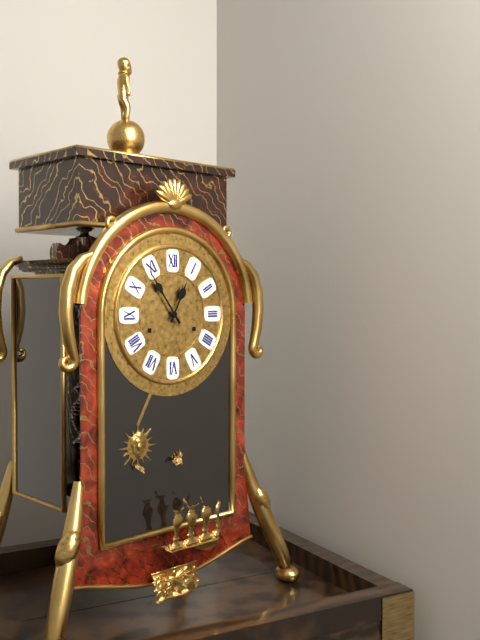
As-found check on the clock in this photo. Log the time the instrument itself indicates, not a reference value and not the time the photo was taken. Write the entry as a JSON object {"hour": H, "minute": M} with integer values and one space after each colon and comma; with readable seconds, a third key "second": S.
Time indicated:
{"hour": 12, "minute": 54}
